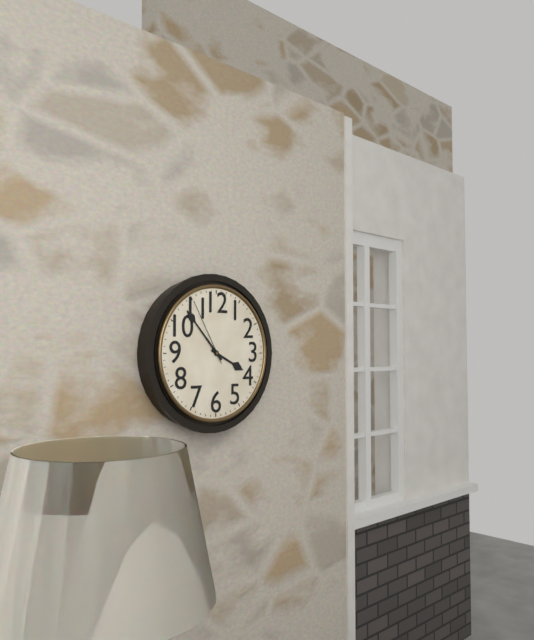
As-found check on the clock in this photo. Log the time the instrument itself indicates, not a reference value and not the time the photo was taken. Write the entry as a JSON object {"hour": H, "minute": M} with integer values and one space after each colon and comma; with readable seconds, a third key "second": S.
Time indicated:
{"hour": 3, "minute": 53, "second": 55}
